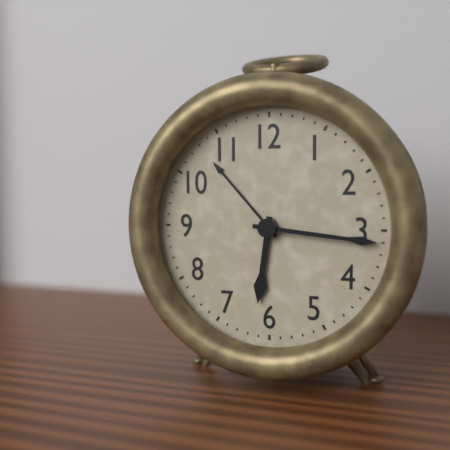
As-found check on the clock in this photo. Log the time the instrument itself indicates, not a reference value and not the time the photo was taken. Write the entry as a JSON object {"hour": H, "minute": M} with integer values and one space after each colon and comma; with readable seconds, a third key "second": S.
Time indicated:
{"hour": 6, "minute": 16}
